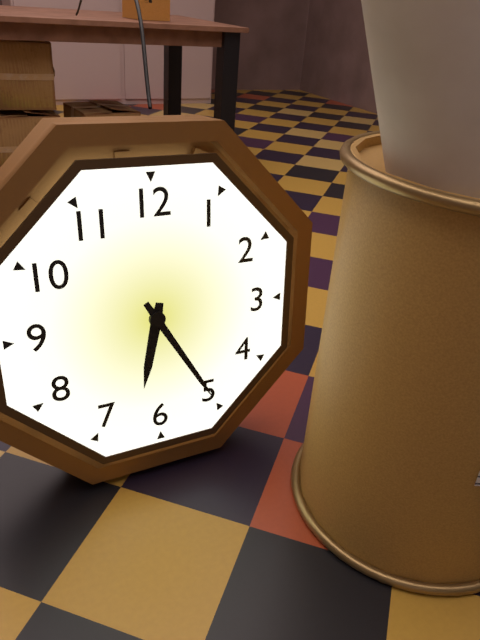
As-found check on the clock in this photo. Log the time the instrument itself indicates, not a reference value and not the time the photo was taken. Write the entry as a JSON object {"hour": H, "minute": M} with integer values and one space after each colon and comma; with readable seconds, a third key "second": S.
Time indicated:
{"hour": 6, "minute": 25}
